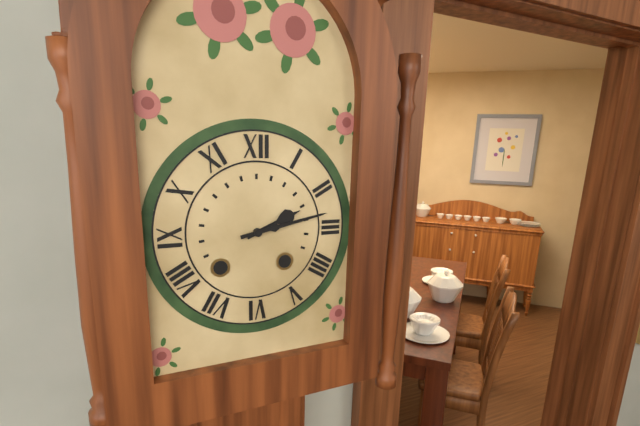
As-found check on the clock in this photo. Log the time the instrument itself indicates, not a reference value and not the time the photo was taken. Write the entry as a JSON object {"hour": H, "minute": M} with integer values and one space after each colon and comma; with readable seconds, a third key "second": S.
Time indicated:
{"hour": 2, "minute": 13}
